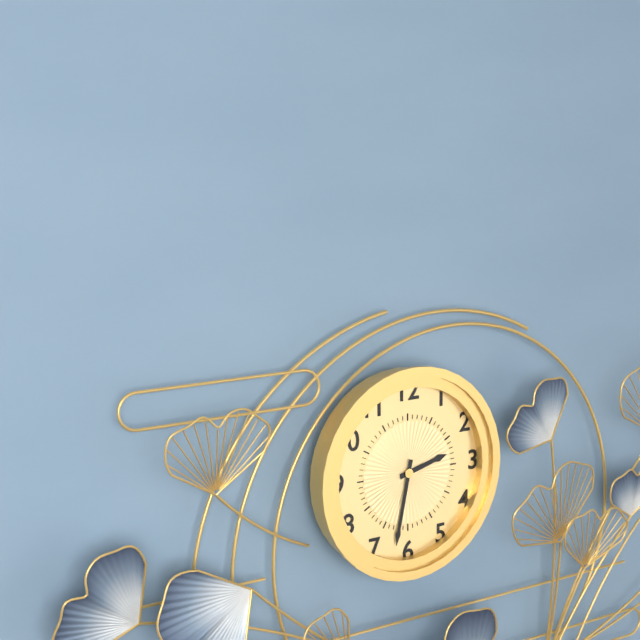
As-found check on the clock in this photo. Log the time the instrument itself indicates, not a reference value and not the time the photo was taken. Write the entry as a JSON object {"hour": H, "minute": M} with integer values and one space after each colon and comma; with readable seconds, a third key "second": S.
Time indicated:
{"hour": 2, "minute": 32}
